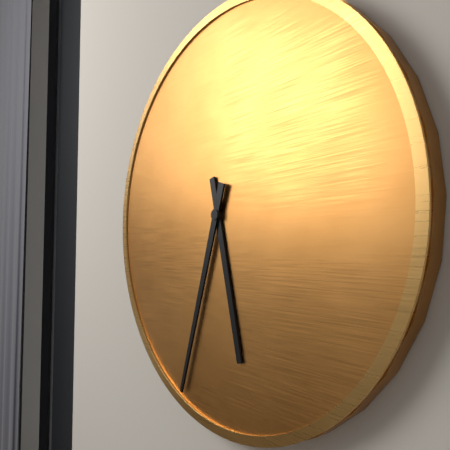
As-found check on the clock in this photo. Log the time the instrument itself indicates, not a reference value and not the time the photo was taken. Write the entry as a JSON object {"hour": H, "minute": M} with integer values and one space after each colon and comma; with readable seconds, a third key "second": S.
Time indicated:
{"hour": 5, "minute": 33}
